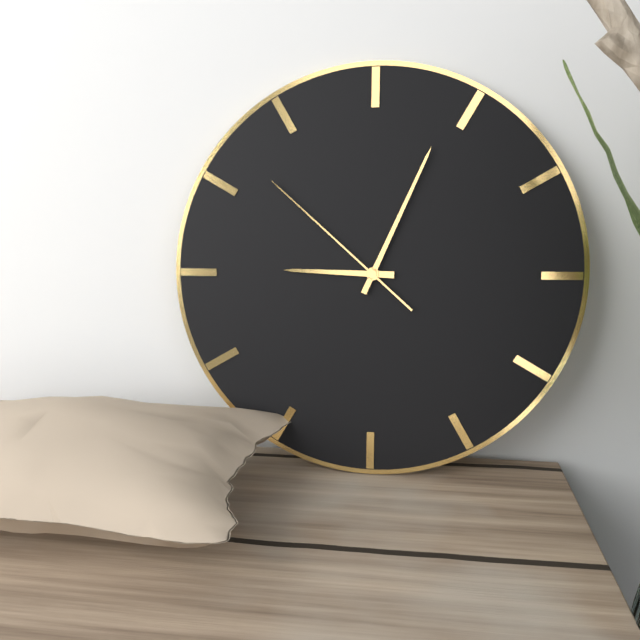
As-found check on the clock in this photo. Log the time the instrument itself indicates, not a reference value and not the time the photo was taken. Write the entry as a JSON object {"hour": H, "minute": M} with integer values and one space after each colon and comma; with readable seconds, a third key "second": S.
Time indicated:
{"hour": 9, "minute": 4, "second": 52}
